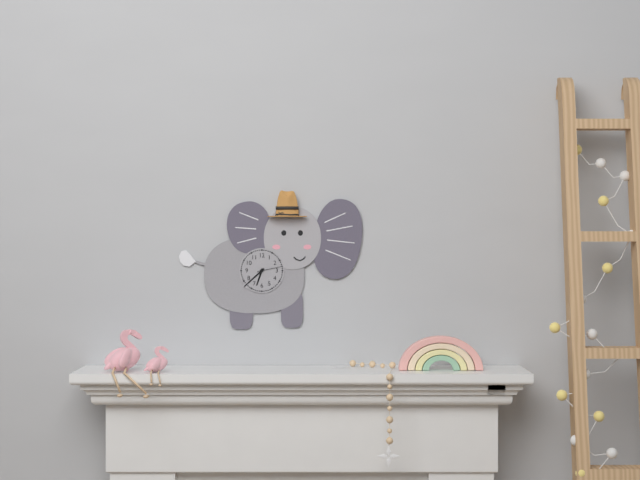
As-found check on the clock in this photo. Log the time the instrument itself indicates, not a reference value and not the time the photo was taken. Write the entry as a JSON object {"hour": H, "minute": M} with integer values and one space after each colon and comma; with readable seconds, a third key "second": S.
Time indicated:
{"hour": 6, "minute": 38}
